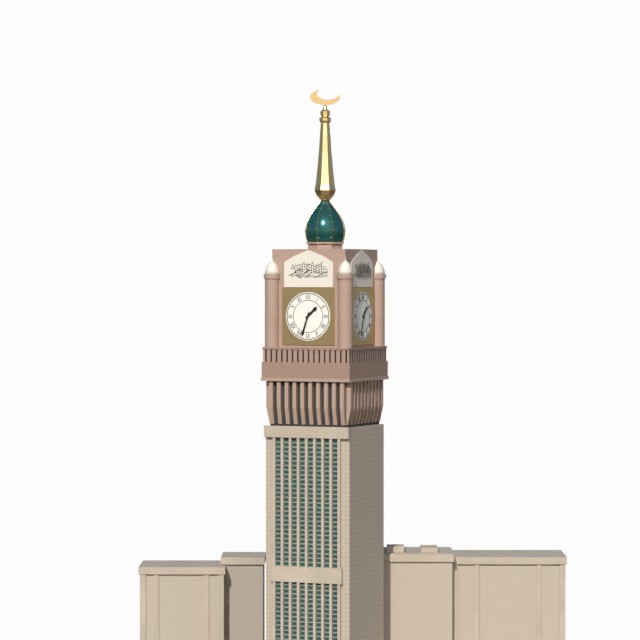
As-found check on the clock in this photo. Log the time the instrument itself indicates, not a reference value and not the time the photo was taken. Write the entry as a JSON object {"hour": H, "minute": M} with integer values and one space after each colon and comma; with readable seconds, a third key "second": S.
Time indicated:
{"hour": 1, "minute": 33}
